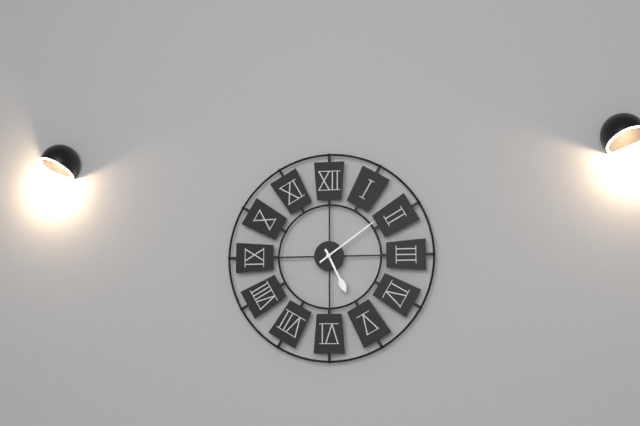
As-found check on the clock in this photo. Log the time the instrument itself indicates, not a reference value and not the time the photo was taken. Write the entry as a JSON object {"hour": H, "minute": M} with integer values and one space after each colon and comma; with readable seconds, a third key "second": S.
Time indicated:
{"hour": 5, "minute": 9}
